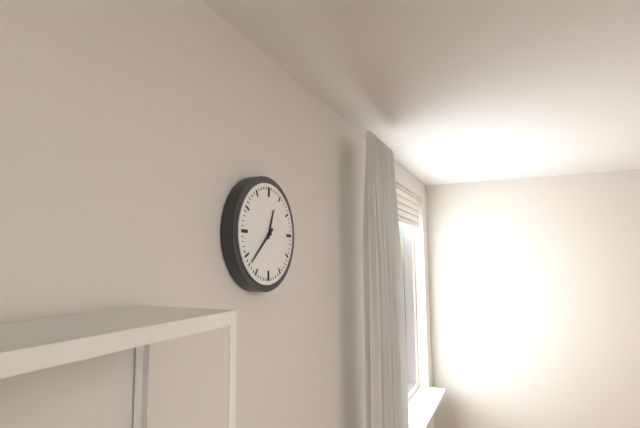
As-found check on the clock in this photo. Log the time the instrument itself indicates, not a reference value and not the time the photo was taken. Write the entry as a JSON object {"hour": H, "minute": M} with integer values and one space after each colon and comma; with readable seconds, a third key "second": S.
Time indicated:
{"hour": 12, "minute": 38}
